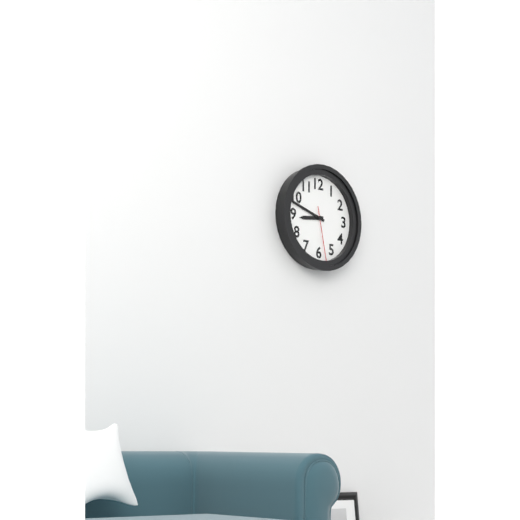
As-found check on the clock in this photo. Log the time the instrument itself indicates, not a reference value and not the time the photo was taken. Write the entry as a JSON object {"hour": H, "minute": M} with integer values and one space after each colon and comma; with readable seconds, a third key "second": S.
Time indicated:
{"hour": 8, "minute": 48, "second": 28}
